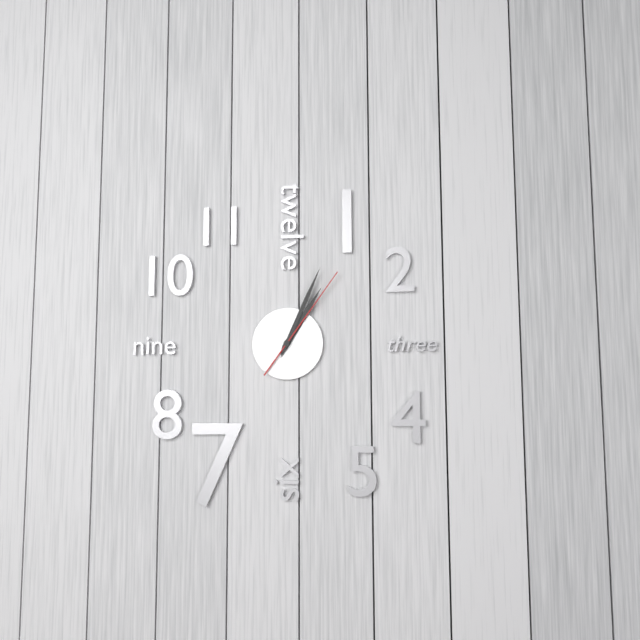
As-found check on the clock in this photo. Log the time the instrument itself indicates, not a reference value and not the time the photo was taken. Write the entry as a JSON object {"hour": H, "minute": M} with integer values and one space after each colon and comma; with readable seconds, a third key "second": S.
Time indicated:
{"hour": 1, "minute": 4, "second": 6}
